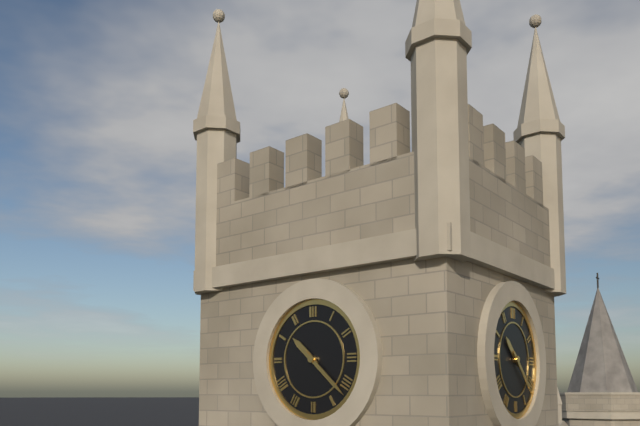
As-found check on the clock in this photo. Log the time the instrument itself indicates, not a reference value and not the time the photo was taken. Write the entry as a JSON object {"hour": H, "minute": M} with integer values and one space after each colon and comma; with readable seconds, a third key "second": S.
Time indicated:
{"hour": 10, "minute": 22}
